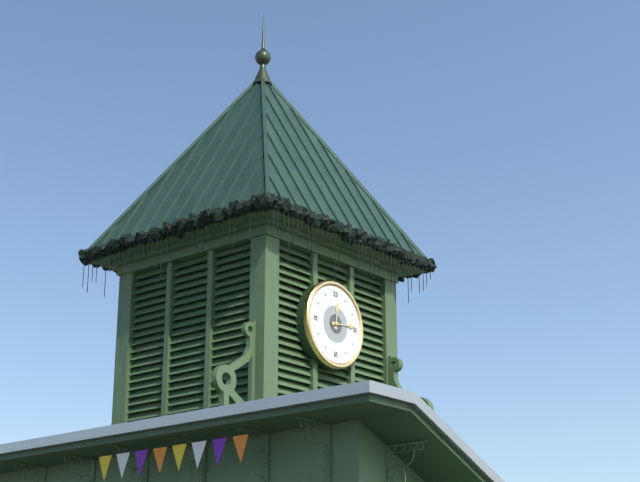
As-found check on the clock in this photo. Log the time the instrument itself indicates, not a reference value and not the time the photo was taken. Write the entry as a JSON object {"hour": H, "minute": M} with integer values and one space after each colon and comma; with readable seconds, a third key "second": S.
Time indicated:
{"hour": 12, "minute": 14}
